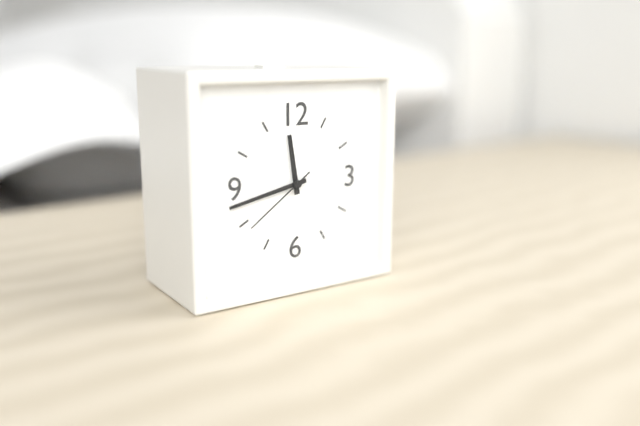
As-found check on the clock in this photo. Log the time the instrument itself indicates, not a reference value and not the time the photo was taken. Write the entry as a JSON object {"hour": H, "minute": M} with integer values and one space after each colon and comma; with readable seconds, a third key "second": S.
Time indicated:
{"hour": 11, "minute": 43, "second": 39}
